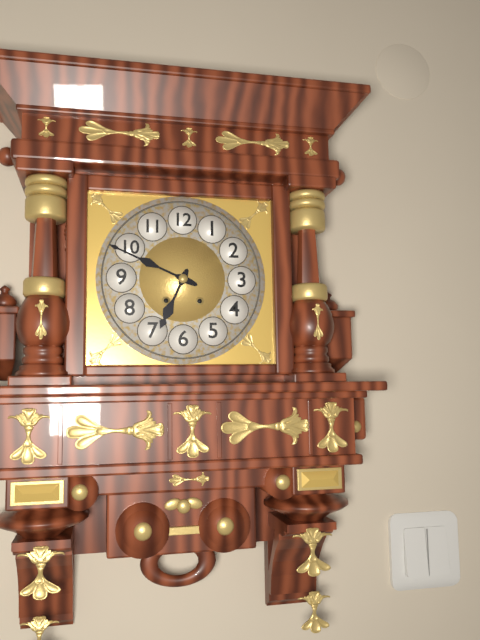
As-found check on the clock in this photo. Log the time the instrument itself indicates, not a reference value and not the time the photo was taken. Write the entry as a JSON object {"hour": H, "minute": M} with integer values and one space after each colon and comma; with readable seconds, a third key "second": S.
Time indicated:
{"hour": 6, "minute": 49}
